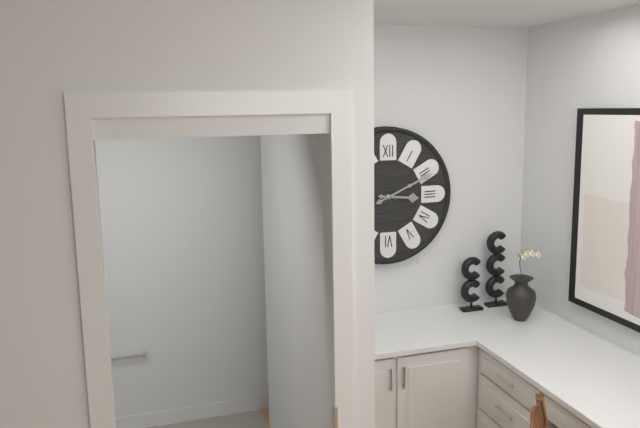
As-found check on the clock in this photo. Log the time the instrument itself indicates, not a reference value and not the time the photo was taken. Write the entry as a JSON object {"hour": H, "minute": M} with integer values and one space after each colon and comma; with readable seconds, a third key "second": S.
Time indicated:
{"hour": 3, "minute": 11}
